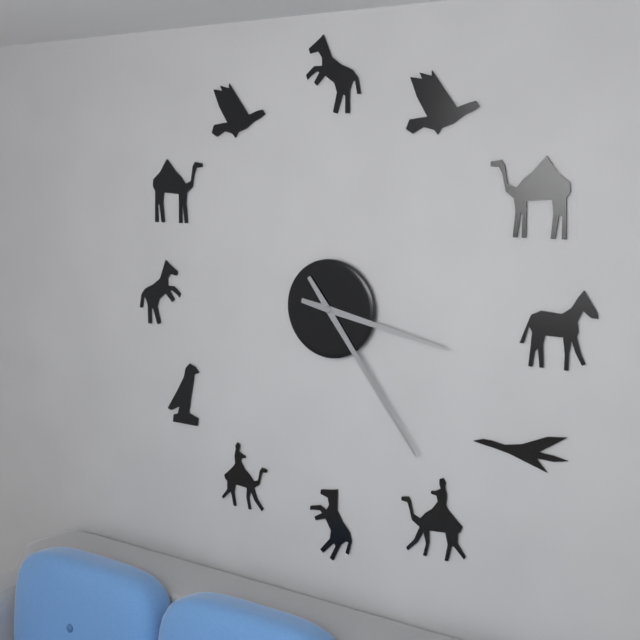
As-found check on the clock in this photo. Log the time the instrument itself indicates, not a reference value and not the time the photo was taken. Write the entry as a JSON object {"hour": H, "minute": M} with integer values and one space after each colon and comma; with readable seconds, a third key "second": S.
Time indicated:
{"hour": 3, "minute": 24}
